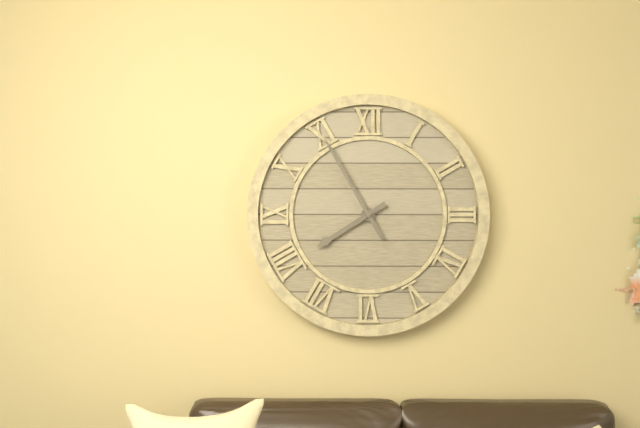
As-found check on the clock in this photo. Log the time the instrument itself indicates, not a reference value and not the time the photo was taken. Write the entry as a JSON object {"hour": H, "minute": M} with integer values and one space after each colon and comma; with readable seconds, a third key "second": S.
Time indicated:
{"hour": 7, "minute": 55}
